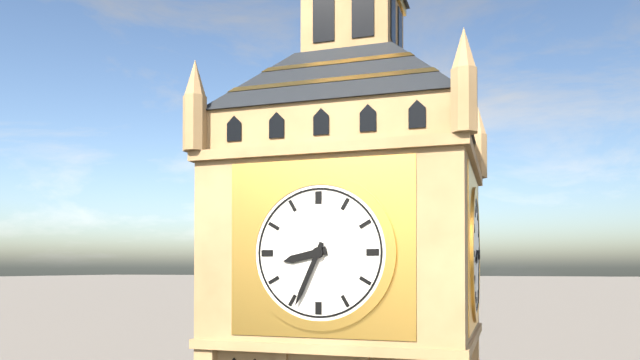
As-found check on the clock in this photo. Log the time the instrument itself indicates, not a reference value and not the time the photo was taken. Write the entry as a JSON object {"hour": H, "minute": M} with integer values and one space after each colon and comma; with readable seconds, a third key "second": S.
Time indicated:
{"hour": 8, "minute": 34}
